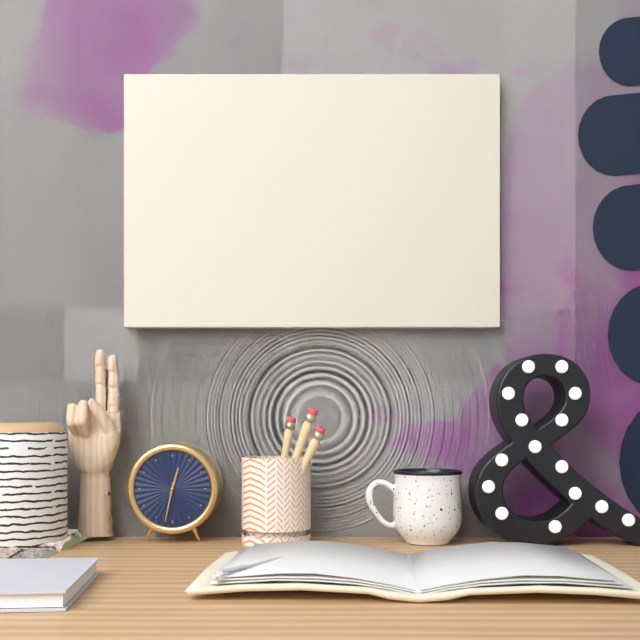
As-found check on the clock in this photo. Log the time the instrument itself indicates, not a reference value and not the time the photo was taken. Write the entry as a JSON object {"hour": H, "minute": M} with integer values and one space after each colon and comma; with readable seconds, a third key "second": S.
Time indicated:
{"hour": 12, "minute": 32}
